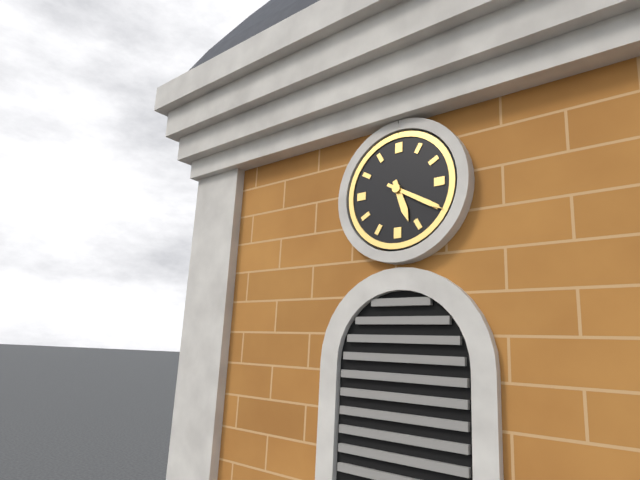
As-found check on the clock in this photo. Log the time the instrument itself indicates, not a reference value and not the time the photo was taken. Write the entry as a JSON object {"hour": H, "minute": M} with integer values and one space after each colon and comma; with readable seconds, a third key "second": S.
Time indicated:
{"hour": 5, "minute": 20}
